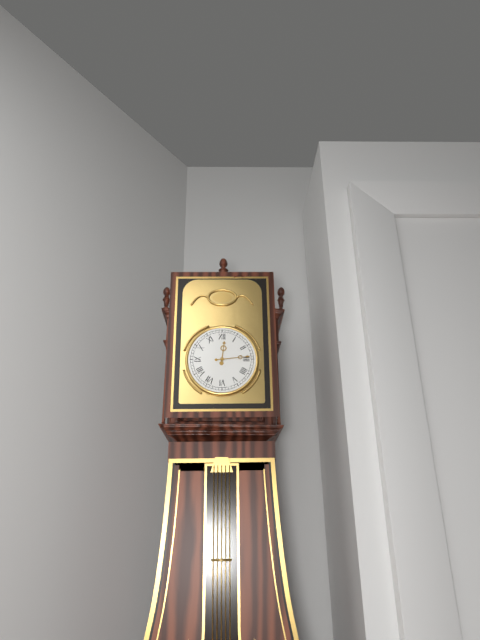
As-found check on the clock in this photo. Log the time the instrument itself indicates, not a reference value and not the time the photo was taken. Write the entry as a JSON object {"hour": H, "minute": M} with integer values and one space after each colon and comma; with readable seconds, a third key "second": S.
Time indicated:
{"hour": 12, "minute": 14}
